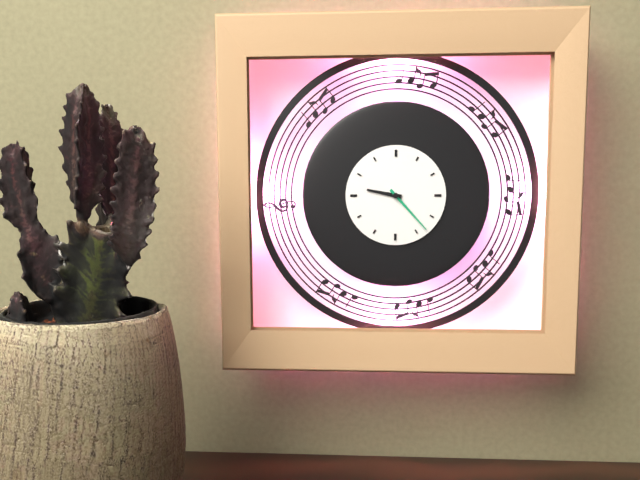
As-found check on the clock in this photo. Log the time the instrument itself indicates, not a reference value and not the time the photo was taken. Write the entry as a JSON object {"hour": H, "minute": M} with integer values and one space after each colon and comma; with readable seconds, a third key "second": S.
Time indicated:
{"hour": 9, "minute": 23}
